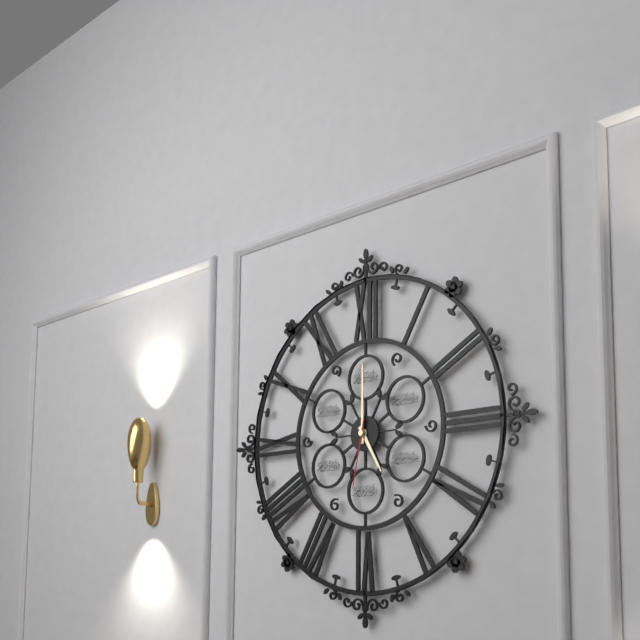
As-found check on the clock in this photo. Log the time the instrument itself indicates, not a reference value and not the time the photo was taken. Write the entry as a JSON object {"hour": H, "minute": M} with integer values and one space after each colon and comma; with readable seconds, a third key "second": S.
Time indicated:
{"hour": 5, "minute": 0, "second": 32}
